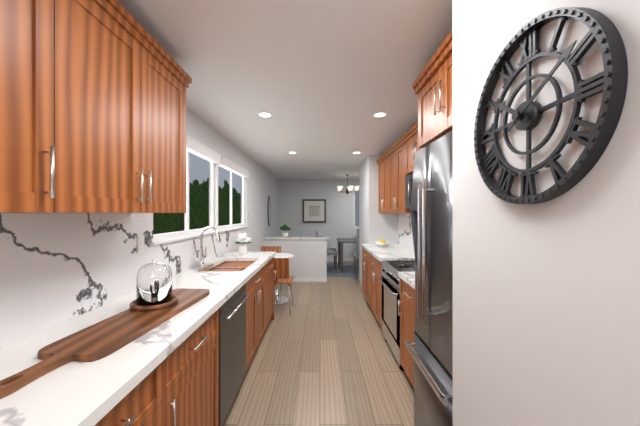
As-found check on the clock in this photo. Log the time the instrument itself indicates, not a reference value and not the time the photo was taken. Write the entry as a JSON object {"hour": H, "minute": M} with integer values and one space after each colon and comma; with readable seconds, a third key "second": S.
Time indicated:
{"hour": 10, "minute": 10}
